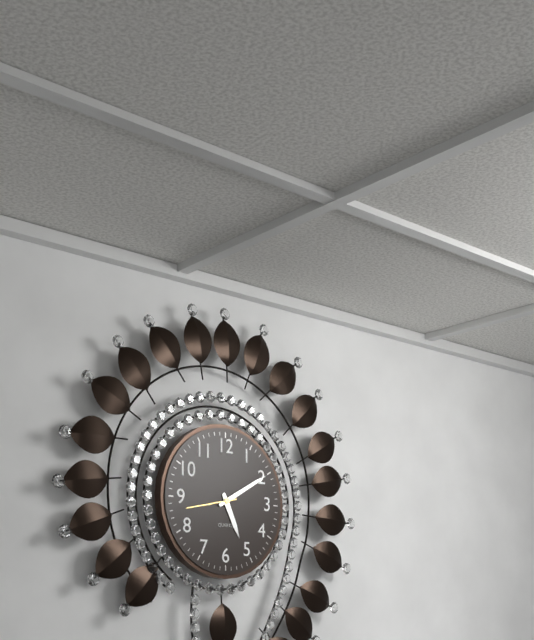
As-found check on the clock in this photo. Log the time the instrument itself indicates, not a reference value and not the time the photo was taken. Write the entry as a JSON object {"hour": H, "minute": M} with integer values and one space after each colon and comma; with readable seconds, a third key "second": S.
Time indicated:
{"hour": 5, "minute": 10, "second": 43}
